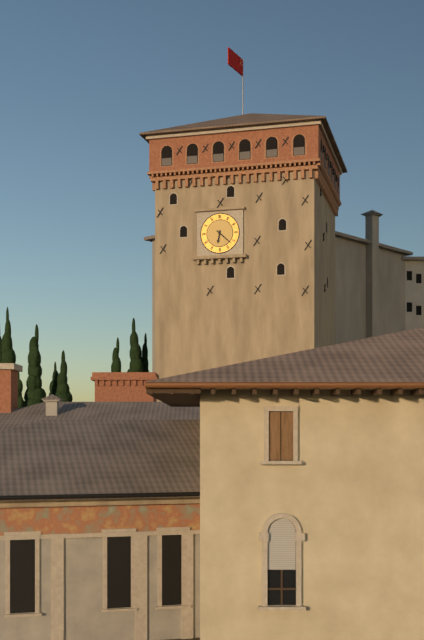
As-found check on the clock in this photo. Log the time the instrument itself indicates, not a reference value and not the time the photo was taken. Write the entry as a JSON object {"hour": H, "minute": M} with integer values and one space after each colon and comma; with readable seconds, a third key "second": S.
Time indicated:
{"hour": 6, "minute": 22}
